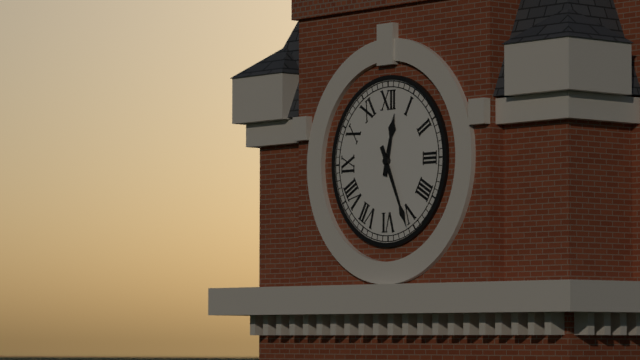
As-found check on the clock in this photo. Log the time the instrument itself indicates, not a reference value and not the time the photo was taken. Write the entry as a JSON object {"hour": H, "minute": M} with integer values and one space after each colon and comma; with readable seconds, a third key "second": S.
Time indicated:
{"hour": 12, "minute": 26}
